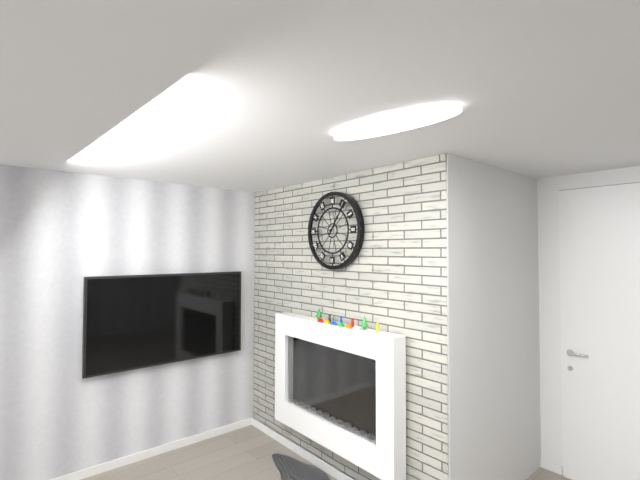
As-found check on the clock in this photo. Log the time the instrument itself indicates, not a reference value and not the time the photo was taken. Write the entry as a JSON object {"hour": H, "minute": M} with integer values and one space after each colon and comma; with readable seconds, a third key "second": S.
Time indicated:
{"hour": 1, "minute": 6}
